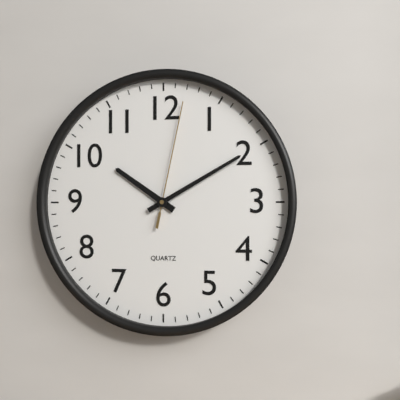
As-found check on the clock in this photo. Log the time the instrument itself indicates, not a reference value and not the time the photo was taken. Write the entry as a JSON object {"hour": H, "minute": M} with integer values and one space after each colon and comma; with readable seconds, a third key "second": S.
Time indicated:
{"hour": 10, "minute": 10, "second": 2}
